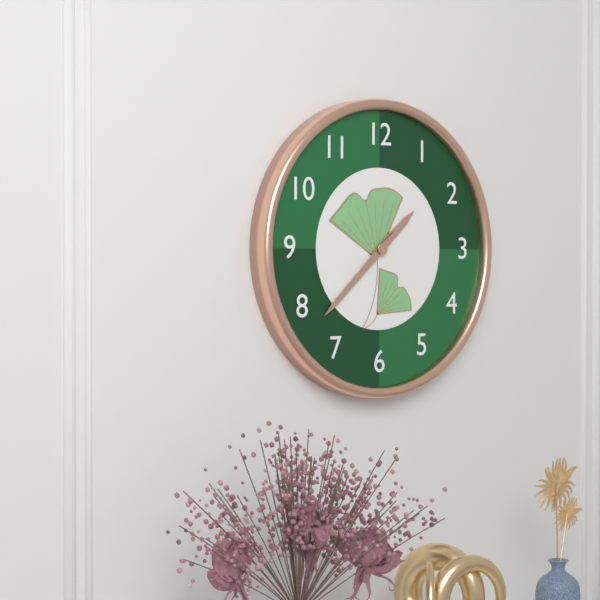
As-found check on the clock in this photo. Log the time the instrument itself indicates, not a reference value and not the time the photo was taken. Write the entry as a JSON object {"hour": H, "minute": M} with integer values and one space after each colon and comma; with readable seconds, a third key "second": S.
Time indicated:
{"hour": 1, "minute": 38}
